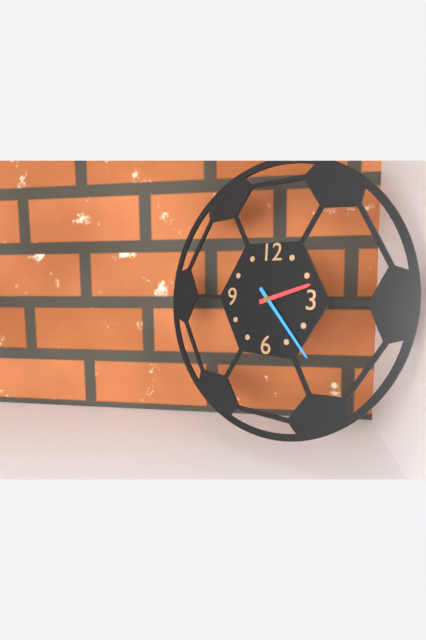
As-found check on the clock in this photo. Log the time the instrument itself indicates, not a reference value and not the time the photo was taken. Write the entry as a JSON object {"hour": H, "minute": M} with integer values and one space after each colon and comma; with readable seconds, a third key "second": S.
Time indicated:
{"hour": 2, "minute": 23}
